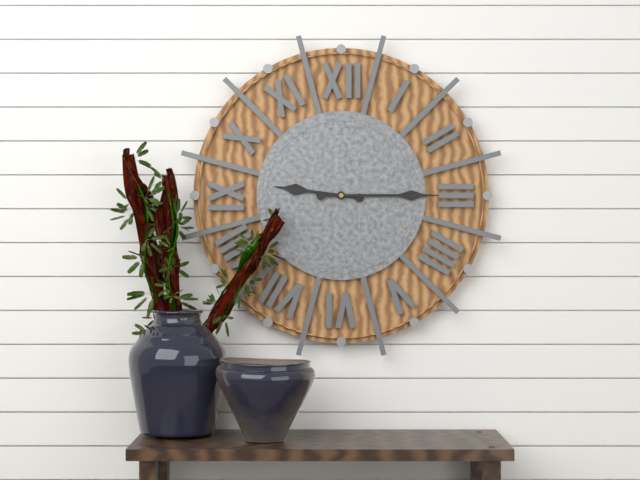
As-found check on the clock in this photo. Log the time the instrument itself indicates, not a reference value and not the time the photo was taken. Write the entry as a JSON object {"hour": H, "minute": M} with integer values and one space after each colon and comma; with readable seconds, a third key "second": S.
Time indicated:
{"hour": 9, "minute": 15}
